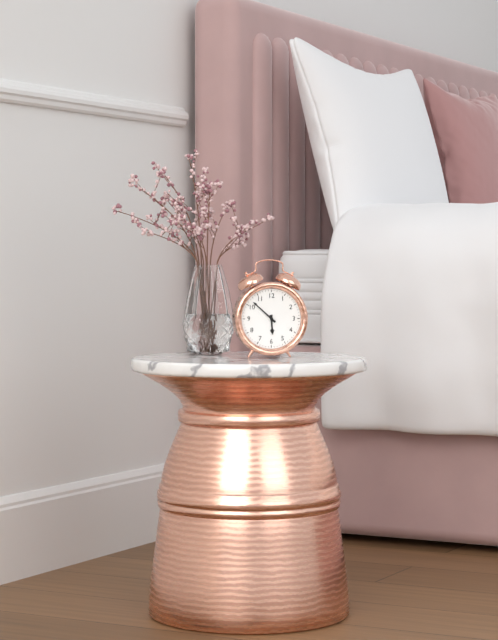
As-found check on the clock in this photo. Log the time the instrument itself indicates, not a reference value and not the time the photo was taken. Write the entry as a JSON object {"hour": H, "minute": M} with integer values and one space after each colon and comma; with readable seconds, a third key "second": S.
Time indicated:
{"hour": 5, "minute": 52}
